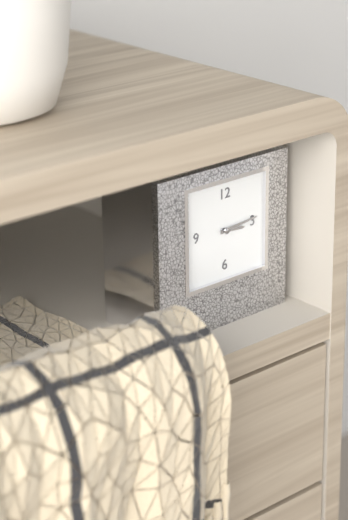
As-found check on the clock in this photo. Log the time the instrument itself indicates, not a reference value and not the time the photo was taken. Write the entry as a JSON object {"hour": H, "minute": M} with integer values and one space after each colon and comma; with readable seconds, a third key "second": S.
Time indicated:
{"hour": 3, "minute": 14}
